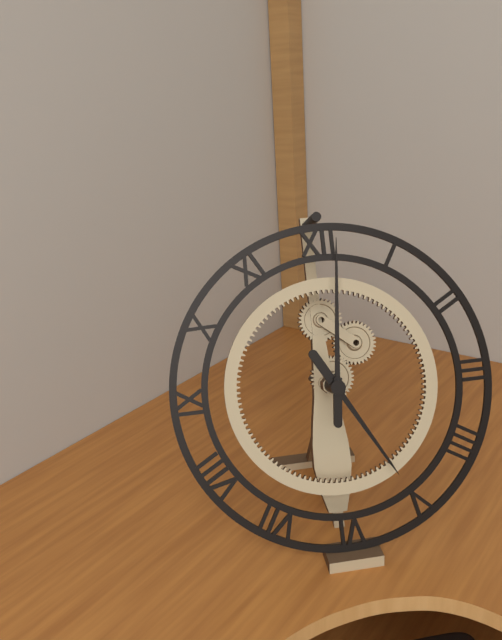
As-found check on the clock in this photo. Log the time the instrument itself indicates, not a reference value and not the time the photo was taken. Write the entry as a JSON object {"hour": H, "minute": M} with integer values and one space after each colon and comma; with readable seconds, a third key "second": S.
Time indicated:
{"hour": 5, "minute": 1}
